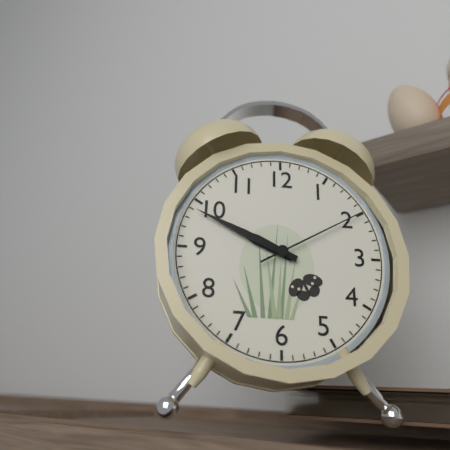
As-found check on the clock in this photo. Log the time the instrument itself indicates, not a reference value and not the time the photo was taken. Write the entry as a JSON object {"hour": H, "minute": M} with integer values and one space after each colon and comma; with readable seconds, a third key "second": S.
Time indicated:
{"hour": 9, "minute": 49, "second": 10}
